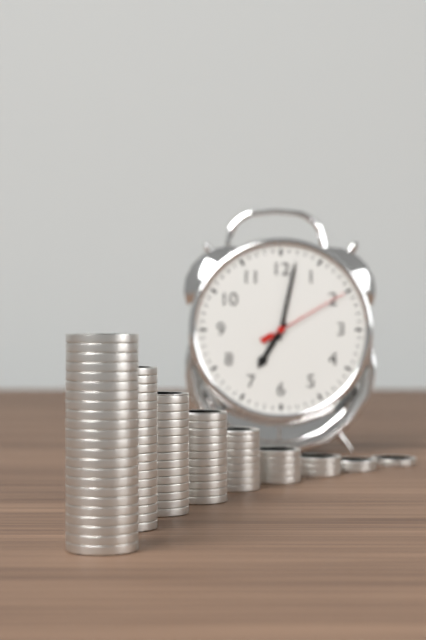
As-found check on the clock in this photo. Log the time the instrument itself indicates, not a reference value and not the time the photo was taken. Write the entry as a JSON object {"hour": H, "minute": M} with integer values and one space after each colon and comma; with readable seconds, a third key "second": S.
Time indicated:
{"hour": 7, "minute": 2, "second": 10}
